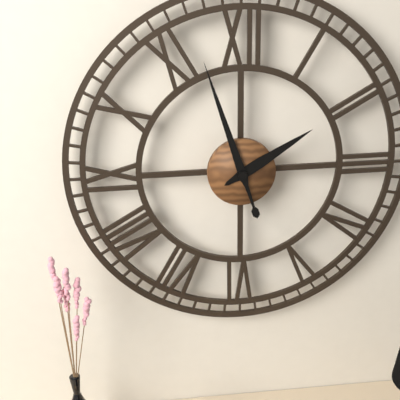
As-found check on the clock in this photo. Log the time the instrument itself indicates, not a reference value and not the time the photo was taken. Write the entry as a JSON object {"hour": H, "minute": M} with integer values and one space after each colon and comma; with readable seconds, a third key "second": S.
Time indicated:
{"hour": 1, "minute": 57}
